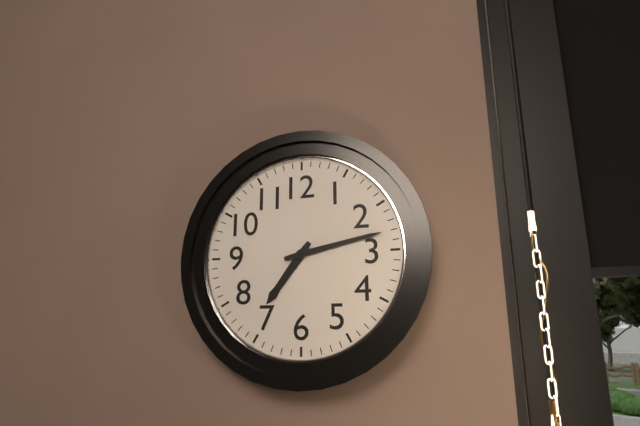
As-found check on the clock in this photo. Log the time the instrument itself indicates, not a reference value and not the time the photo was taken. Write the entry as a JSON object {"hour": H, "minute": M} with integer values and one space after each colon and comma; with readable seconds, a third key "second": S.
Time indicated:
{"hour": 7, "minute": 13}
